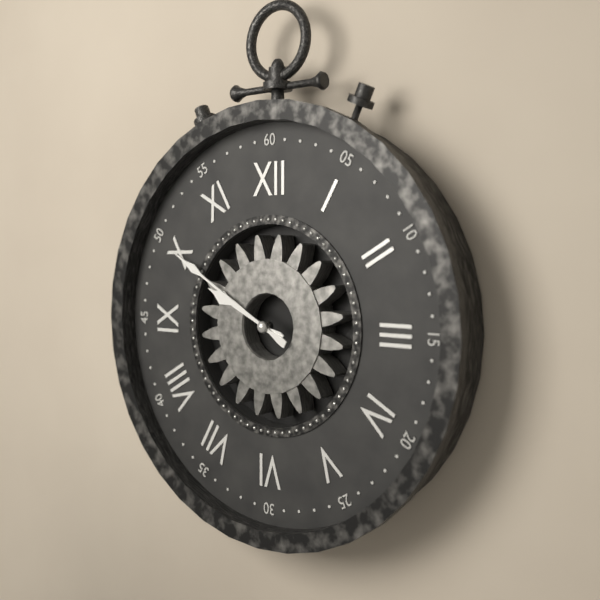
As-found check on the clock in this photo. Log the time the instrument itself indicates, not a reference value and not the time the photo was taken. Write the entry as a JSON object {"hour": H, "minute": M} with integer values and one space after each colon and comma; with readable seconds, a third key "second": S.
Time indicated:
{"hour": 9, "minute": 50}
